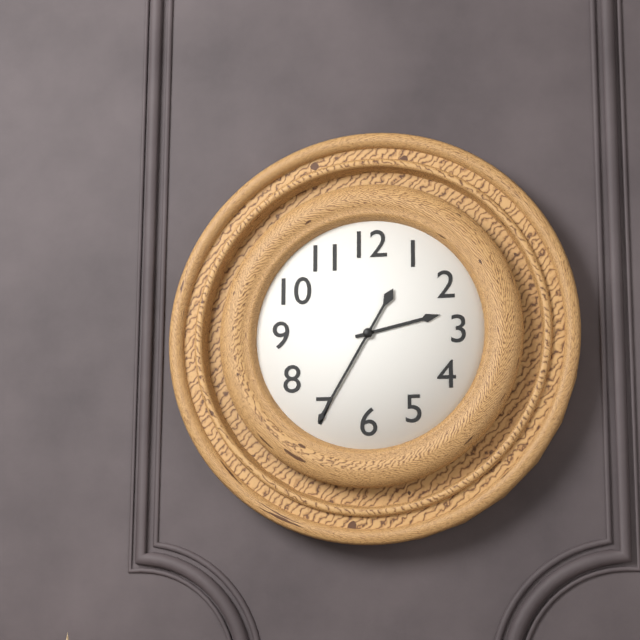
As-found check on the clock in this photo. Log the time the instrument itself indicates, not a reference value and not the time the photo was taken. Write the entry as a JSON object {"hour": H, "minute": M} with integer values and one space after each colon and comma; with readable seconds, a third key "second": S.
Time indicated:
{"hour": 2, "minute": 35}
